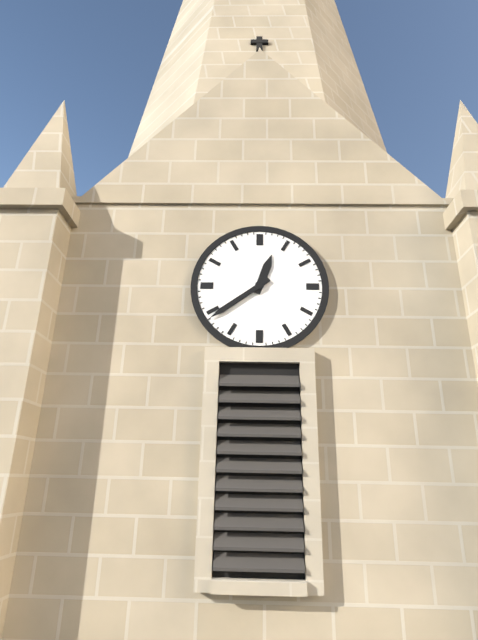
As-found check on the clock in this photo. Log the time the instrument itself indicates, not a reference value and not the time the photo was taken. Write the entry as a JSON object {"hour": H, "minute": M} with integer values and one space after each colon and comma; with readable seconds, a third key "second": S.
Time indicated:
{"hour": 12, "minute": 39}
